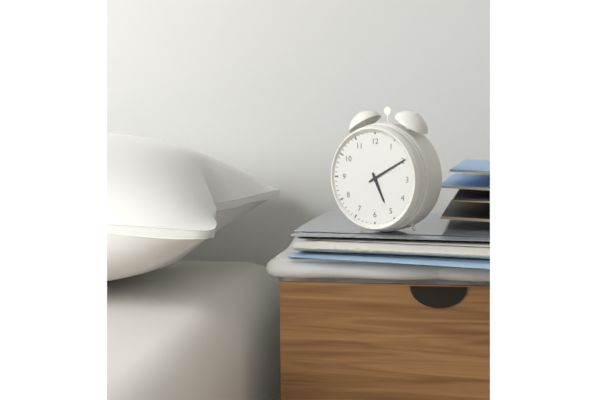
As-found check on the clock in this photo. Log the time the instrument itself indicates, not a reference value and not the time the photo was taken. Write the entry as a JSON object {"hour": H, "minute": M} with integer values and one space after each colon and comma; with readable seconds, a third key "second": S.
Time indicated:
{"hour": 5, "minute": 10}
